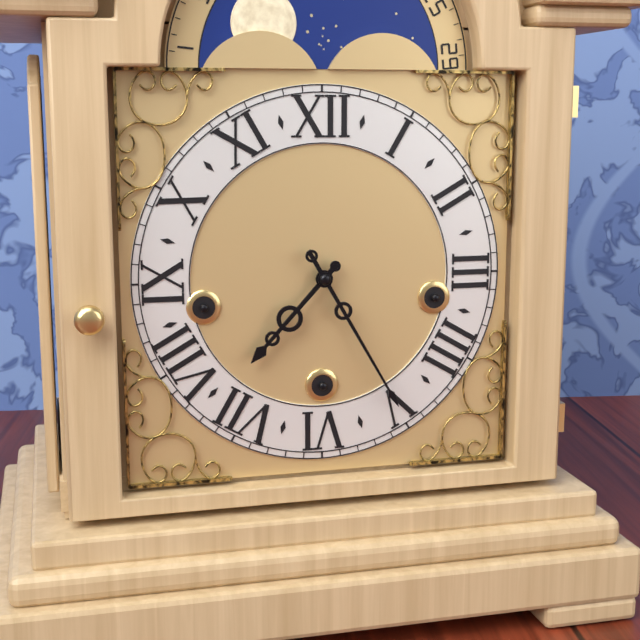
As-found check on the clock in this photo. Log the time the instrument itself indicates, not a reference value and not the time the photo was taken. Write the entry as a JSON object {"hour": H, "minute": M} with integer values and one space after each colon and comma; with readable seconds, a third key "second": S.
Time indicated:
{"hour": 7, "minute": 25}
